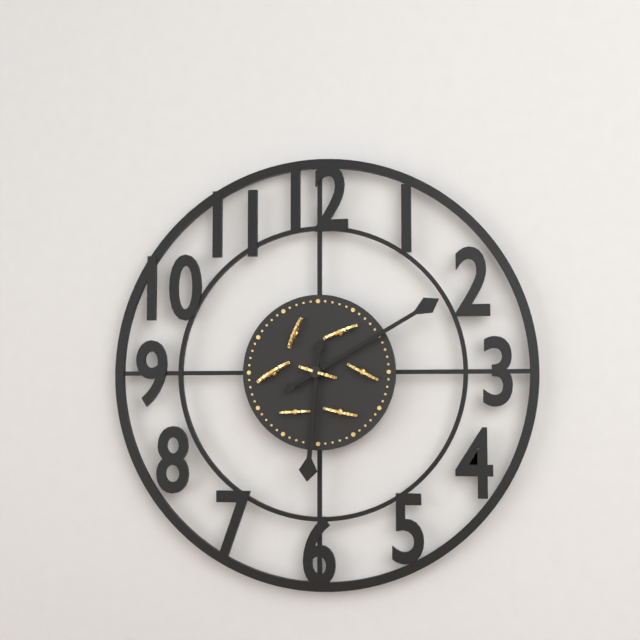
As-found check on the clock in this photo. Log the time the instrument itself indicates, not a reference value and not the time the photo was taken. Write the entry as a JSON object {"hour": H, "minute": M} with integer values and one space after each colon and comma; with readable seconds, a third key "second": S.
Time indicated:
{"hour": 6, "minute": 10}
